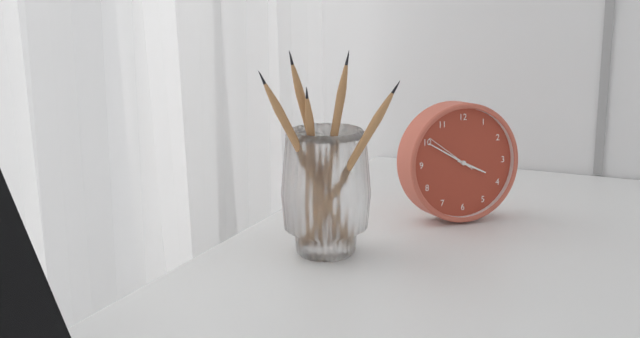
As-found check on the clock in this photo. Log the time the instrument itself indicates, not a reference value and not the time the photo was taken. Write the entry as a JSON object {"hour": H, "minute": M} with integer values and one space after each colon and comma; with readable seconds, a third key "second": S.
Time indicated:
{"hour": 3, "minute": 50, "second": 51}
